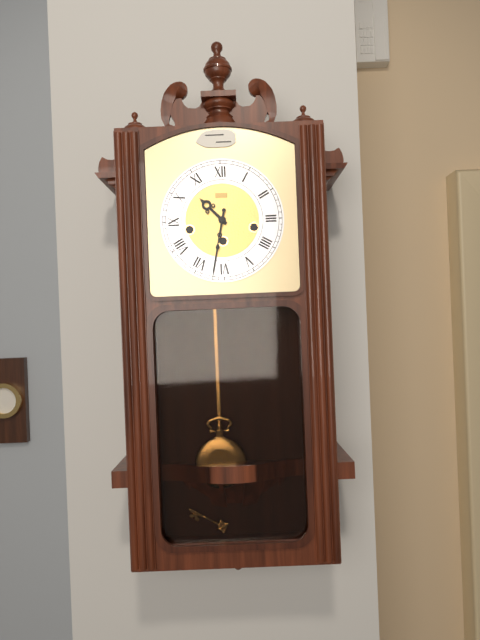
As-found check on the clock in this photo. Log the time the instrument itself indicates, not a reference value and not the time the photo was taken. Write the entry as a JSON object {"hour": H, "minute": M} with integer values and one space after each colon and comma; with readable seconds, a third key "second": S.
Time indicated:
{"hour": 10, "minute": 32}
